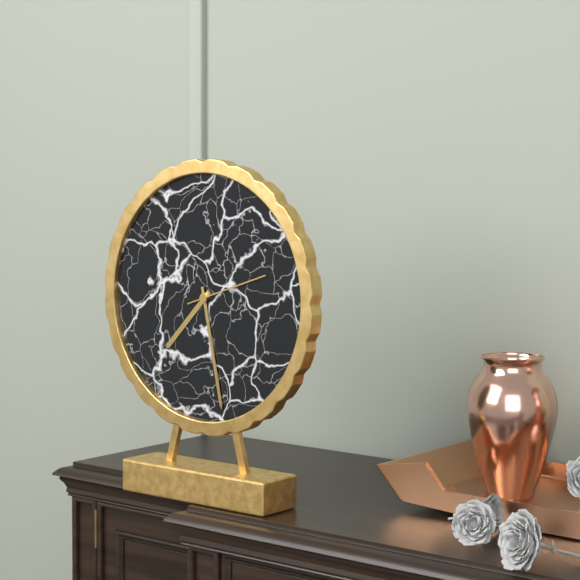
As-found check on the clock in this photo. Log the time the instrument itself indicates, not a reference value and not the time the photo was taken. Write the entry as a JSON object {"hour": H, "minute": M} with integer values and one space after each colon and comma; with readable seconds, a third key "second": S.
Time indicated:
{"hour": 7, "minute": 28, "second": 12}
